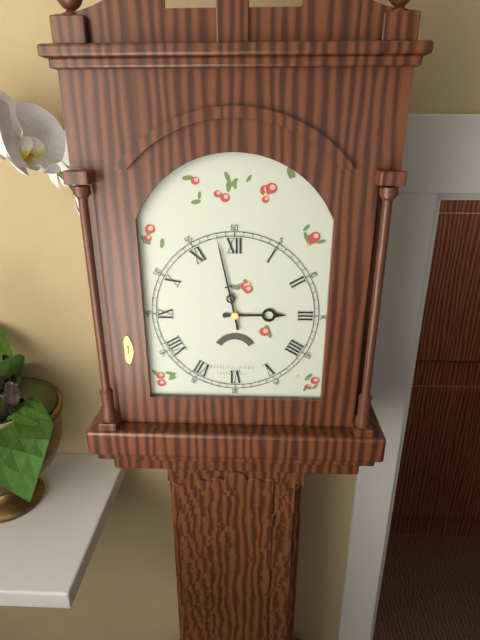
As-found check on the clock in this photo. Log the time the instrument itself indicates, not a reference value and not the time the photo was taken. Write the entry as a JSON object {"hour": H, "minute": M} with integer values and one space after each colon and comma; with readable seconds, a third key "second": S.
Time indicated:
{"hour": 2, "minute": 58}
